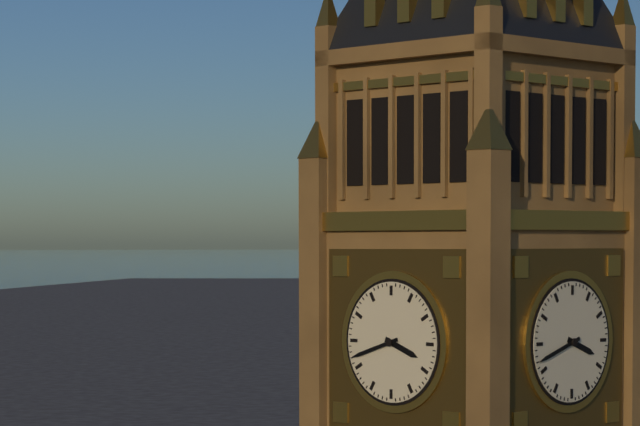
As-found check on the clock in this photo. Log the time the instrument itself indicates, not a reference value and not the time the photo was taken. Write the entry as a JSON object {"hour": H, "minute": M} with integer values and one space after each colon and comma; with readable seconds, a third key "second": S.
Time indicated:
{"hour": 3, "minute": 42}
